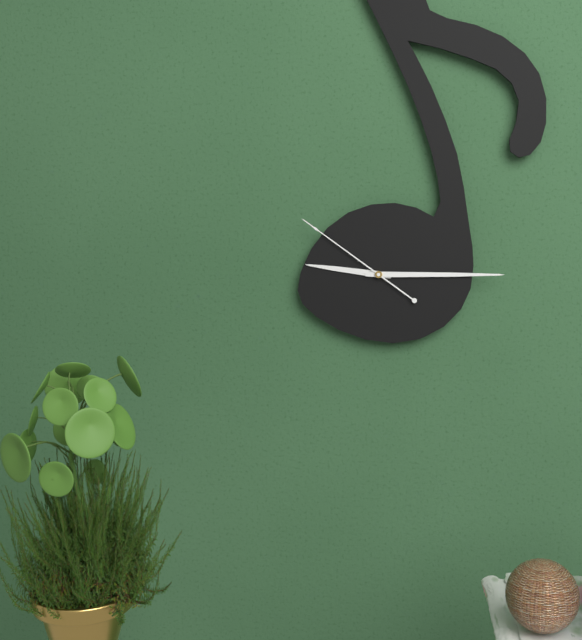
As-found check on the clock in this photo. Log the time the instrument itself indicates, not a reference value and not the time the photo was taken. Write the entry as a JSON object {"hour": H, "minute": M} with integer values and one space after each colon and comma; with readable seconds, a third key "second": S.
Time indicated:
{"hour": 9, "minute": 15, "second": 51}
